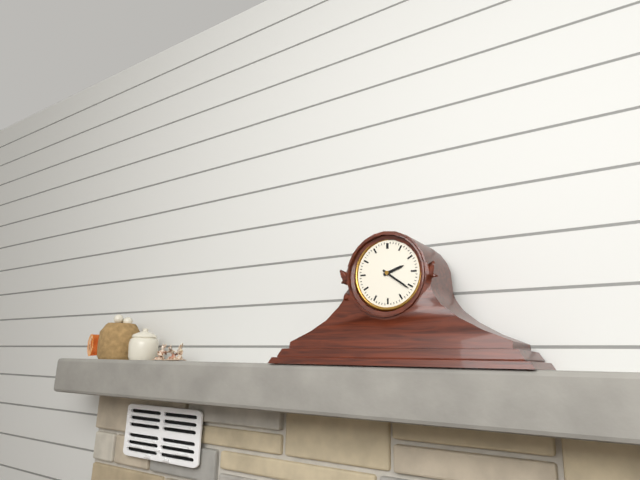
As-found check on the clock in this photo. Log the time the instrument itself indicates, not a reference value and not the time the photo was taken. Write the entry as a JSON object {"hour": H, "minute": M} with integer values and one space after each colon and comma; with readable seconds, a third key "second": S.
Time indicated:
{"hour": 2, "minute": 21}
